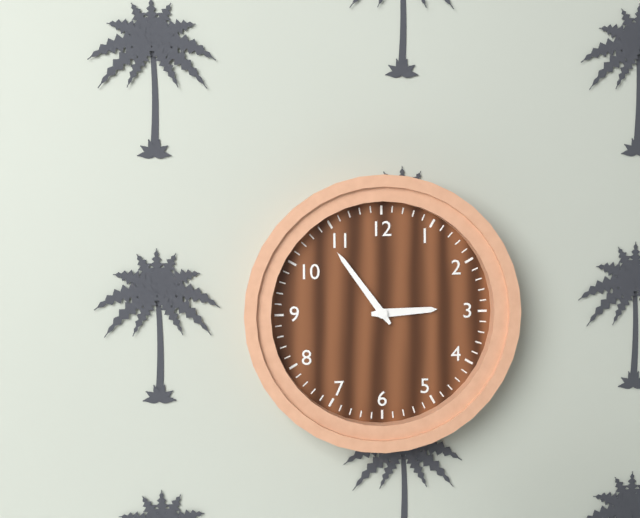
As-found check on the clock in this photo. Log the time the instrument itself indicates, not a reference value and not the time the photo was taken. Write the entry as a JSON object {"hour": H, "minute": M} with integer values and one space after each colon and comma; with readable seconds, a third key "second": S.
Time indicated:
{"hour": 2, "minute": 54}
